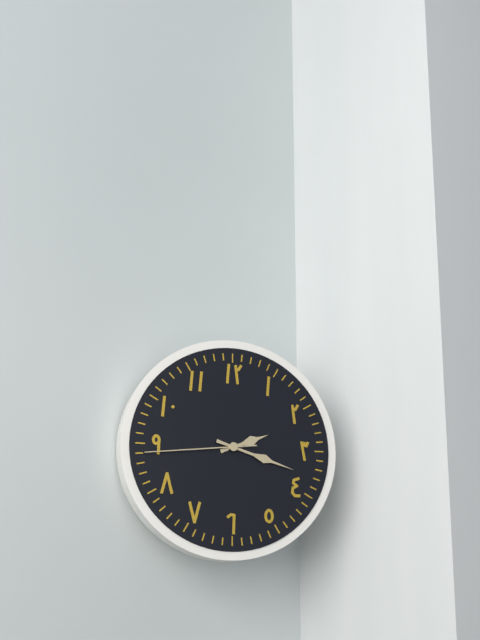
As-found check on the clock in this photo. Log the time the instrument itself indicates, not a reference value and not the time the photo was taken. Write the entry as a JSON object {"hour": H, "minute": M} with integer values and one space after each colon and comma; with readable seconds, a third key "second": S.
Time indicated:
{"hour": 2, "minute": 18, "second": 44}
